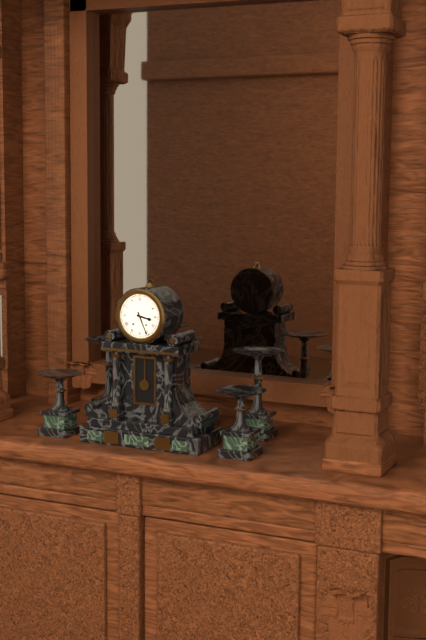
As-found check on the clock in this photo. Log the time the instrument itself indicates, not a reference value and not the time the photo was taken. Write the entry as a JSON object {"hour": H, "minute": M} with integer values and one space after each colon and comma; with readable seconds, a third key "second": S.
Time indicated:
{"hour": 3, "minute": 26}
